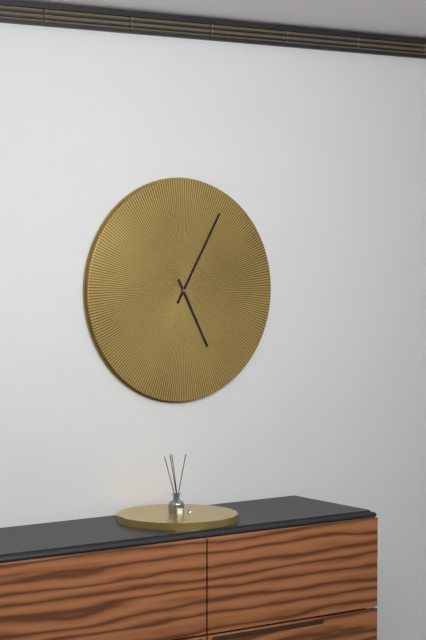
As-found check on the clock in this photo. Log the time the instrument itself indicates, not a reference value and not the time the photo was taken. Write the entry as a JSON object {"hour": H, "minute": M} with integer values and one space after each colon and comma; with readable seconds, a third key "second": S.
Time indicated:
{"hour": 5, "minute": 5}
